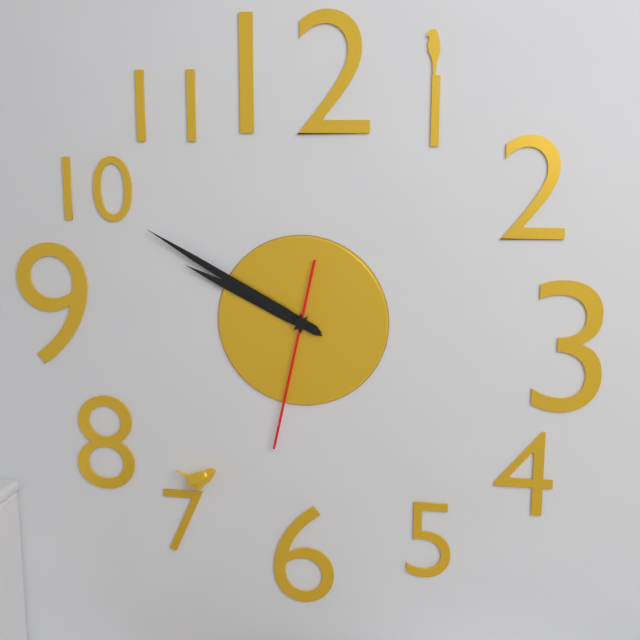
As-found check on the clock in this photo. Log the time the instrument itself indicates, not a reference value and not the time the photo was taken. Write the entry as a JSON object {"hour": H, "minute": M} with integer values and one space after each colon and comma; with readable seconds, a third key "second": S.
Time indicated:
{"hour": 9, "minute": 50, "second": 32}
